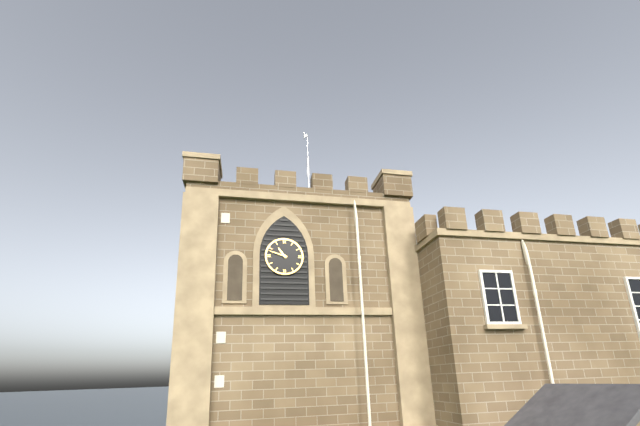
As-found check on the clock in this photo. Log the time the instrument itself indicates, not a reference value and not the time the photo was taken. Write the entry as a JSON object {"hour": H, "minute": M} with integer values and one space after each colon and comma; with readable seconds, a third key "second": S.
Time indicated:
{"hour": 10, "minute": 48}
